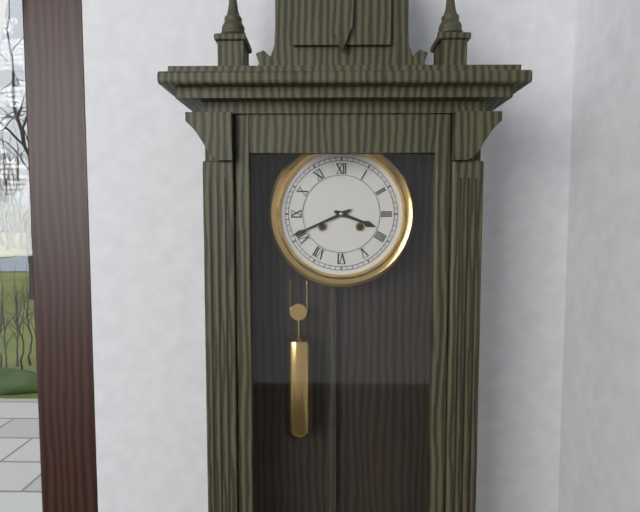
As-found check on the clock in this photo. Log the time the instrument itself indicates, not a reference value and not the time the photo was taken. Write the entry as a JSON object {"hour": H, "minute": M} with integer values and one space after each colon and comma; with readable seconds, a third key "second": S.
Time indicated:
{"hour": 3, "minute": 41}
